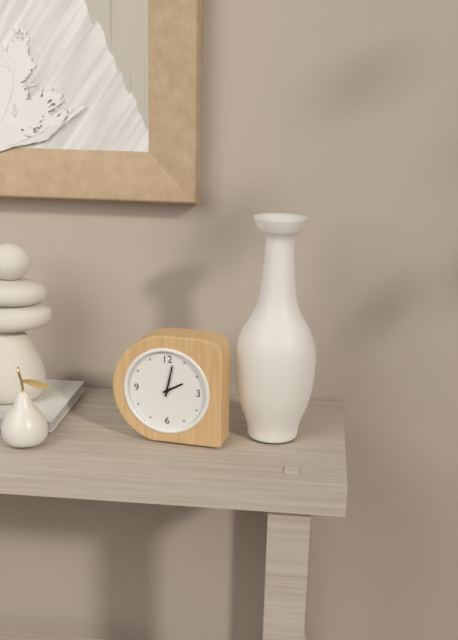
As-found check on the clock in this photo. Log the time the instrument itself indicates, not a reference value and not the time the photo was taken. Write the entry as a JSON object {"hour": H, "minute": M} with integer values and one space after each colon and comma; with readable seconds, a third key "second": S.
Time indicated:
{"hour": 2, "minute": 2}
